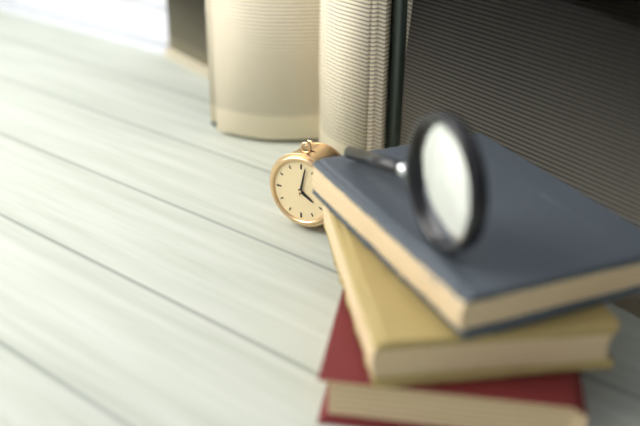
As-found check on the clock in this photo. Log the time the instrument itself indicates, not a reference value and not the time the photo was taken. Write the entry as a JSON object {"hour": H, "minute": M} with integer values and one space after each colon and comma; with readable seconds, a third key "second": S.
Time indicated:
{"hour": 4, "minute": 2}
